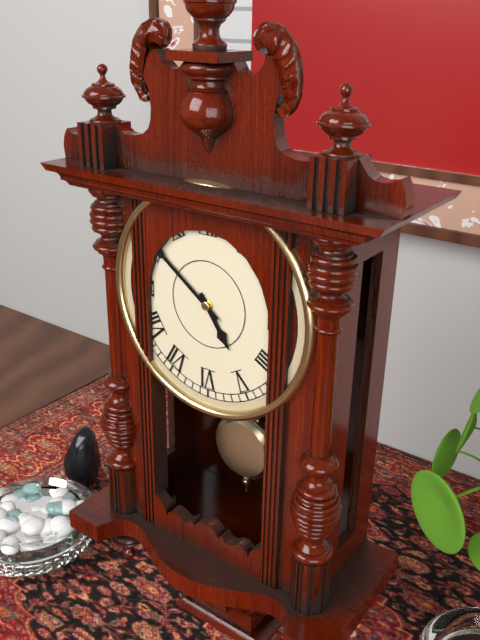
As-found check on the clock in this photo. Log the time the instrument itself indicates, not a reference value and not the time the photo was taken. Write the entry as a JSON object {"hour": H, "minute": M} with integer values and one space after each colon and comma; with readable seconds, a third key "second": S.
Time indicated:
{"hour": 4, "minute": 51}
